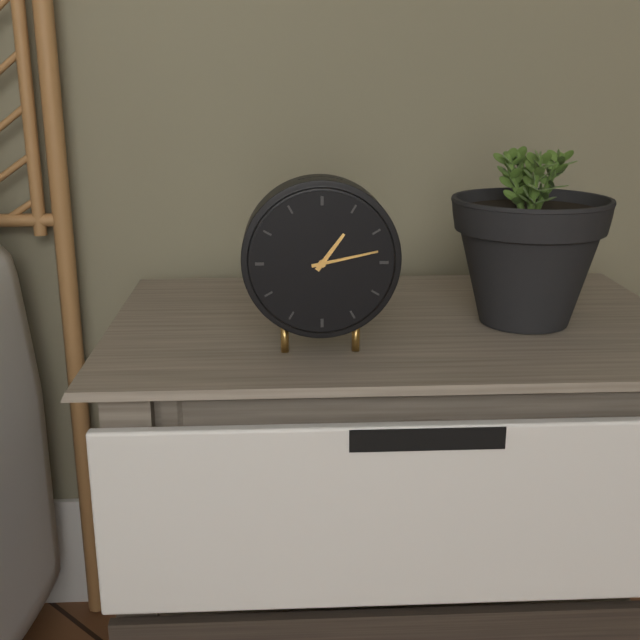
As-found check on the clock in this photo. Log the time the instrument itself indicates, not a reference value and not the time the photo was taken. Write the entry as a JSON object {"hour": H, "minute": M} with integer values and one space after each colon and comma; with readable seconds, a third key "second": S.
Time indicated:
{"hour": 1, "minute": 13}
